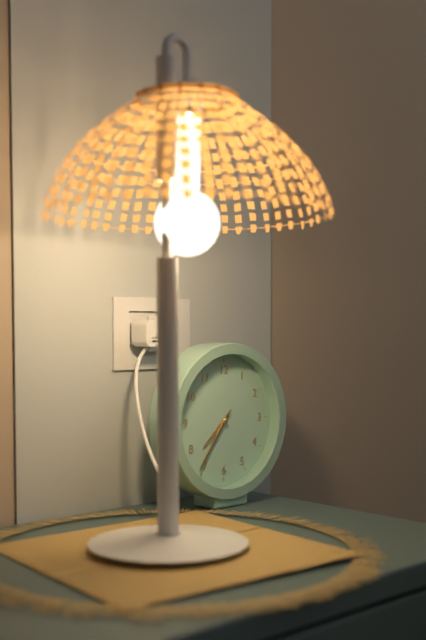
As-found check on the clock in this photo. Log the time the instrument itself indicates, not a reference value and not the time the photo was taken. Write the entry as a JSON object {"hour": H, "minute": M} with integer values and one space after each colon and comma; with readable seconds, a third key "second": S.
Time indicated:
{"hour": 7, "minute": 36, "second": 36}
